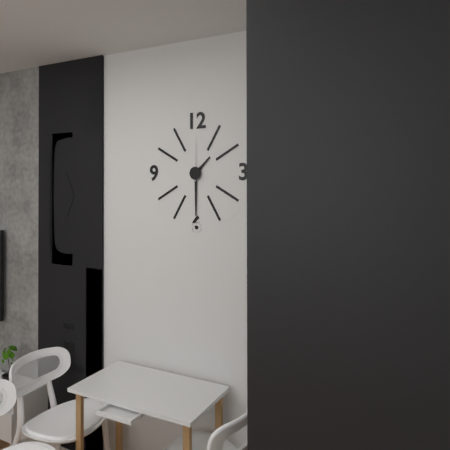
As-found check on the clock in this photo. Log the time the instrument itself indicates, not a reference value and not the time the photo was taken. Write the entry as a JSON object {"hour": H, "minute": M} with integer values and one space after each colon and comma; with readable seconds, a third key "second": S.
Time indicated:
{"hour": 1, "minute": 30}
